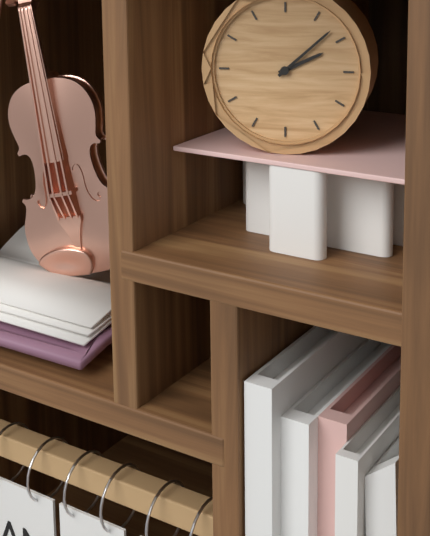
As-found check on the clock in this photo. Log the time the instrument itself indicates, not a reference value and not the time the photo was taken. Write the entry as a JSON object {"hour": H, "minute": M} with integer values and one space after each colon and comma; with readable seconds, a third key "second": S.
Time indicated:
{"hour": 2, "minute": 8}
